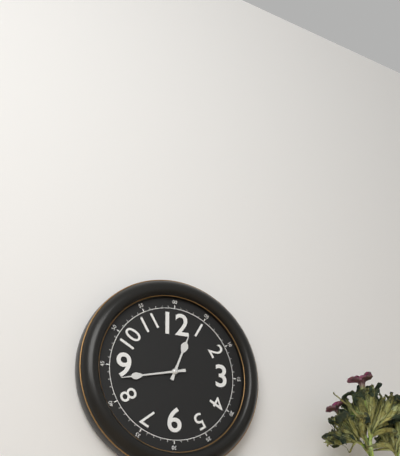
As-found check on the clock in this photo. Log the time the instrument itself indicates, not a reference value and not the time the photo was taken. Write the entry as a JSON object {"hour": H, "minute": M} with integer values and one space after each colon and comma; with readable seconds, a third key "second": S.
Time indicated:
{"hour": 12, "minute": 43}
